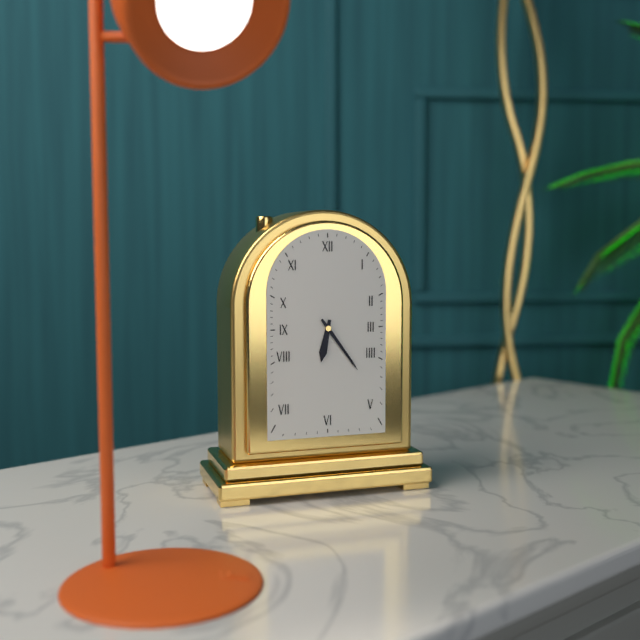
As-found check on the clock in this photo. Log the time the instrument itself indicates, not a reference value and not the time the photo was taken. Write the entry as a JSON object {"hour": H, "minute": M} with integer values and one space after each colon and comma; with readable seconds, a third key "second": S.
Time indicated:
{"hour": 6, "minute": 24}
